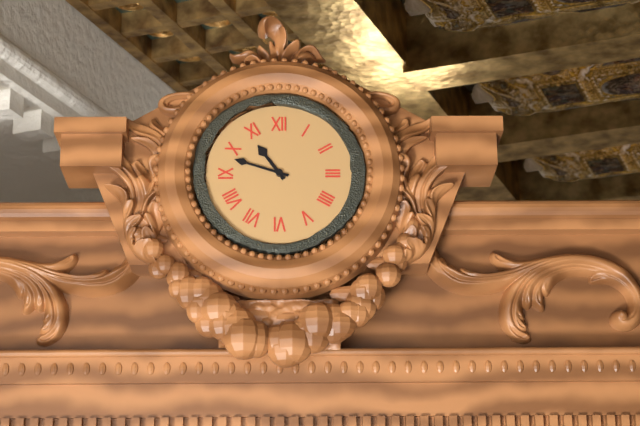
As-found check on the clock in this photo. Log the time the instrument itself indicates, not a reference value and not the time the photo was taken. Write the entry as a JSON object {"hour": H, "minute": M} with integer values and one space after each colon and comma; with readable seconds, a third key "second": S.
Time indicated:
{"hour": 10, "minute": 48}
